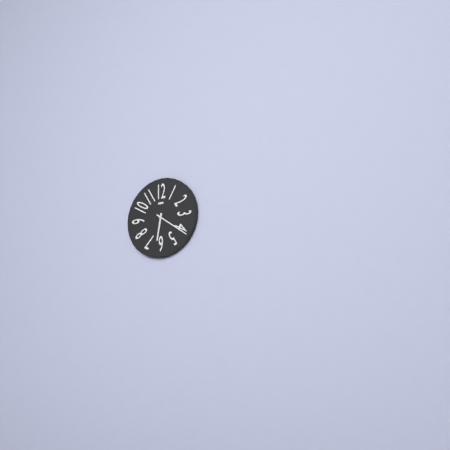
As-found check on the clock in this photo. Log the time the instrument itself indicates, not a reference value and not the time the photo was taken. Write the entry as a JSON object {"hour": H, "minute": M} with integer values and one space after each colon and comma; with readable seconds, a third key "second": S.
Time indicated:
{"hour": 6, "minute": 21}
